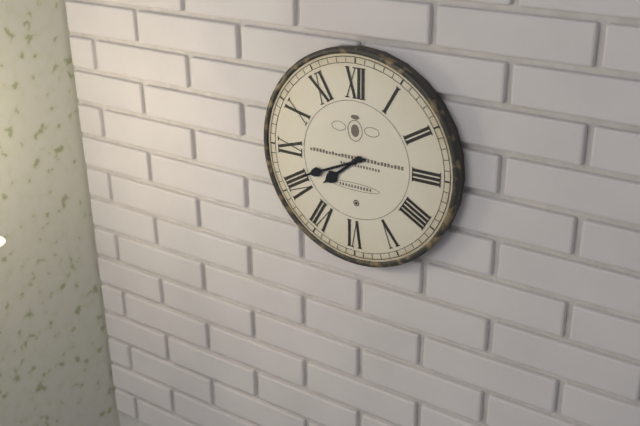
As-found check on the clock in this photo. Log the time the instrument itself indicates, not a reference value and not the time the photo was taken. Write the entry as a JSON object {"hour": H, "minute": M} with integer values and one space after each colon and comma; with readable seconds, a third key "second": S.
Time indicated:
{"hour": 7, "minute": 41}
